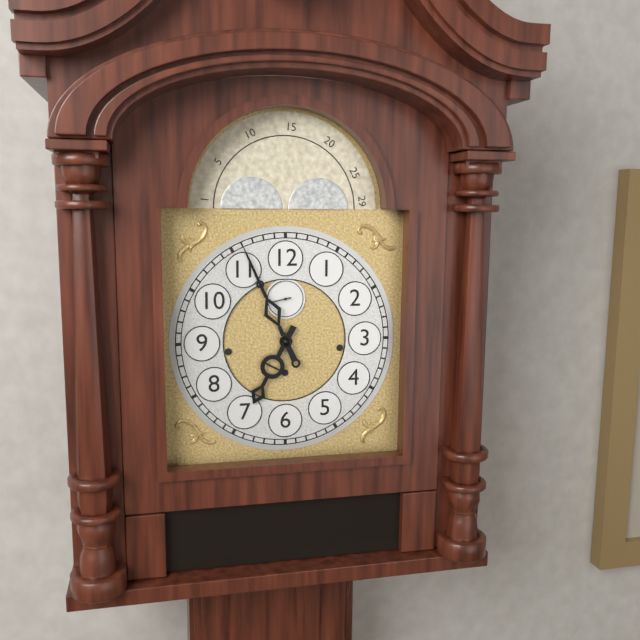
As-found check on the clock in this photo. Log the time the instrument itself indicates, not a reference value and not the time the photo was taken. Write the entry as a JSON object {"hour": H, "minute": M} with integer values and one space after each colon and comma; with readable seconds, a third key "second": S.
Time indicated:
{"hour": 6, "minute": 56}
